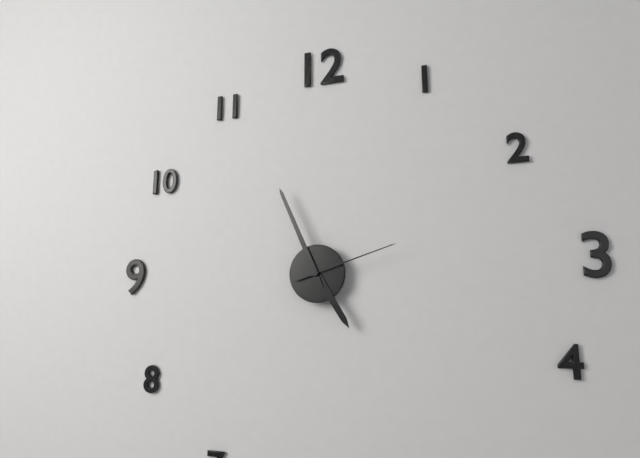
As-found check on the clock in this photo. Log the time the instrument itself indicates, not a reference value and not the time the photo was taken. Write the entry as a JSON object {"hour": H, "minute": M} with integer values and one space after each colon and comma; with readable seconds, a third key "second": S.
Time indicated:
{"hour": 4, "minute": 56, "second": 12}
